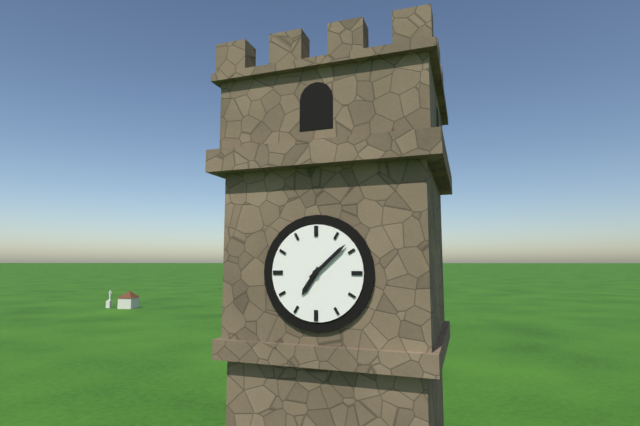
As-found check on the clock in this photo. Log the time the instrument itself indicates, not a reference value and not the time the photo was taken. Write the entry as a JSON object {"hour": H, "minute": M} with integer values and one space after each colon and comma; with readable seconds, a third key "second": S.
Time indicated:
{"hour": 7, "minute": 8}
